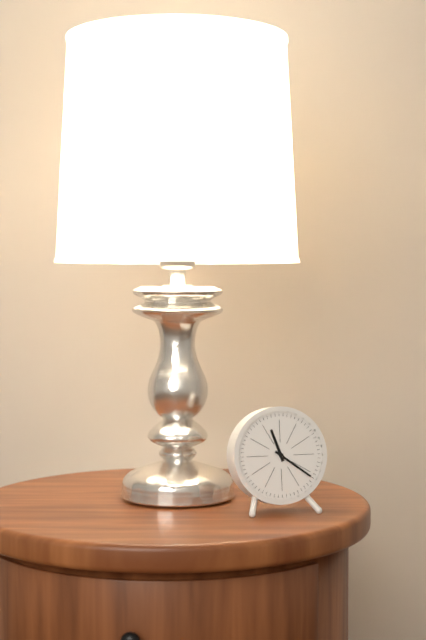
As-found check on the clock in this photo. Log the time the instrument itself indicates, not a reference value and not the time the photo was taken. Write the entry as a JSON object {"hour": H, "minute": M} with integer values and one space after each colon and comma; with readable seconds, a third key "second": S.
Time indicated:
{"hour": 11, "minute": 21}
